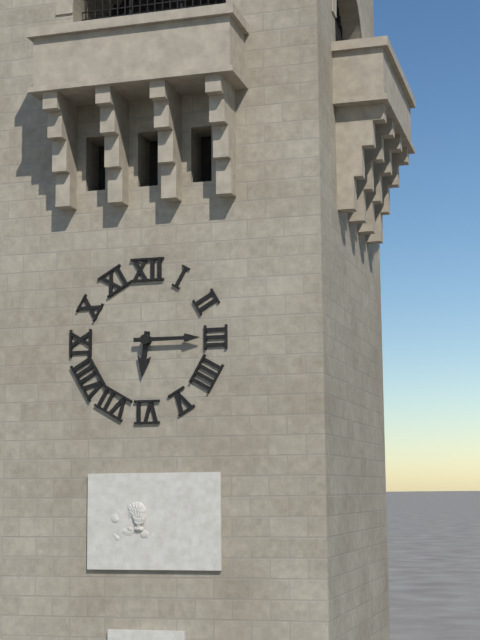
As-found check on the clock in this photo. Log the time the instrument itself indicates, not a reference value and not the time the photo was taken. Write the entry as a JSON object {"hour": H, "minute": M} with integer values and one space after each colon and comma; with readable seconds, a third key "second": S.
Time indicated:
{"hour": 6, "minute": 15}
